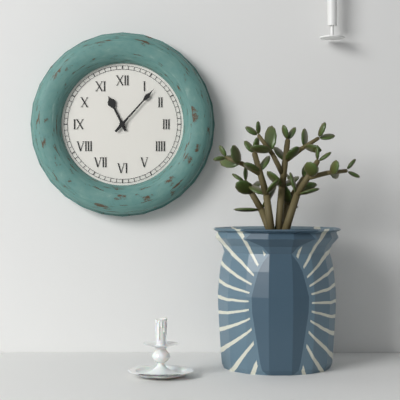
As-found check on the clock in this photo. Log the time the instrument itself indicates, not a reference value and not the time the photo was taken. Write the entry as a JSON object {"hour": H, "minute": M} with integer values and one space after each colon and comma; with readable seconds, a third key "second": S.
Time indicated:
{"hour": 11, "minute": 7}
